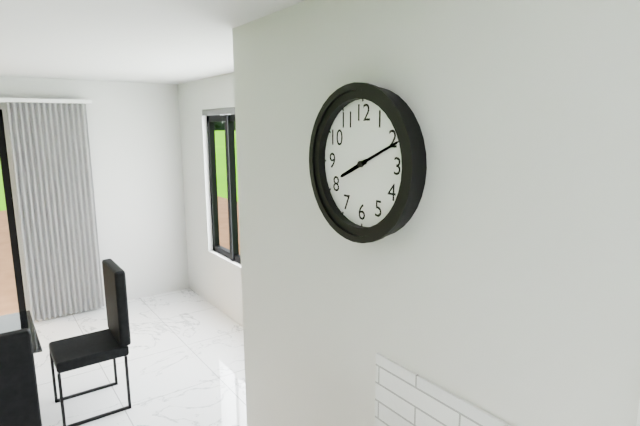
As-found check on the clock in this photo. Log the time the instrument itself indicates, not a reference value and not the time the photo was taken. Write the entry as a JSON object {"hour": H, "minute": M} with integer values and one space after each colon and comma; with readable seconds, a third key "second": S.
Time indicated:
{"hour": 8, "minute": 11}
